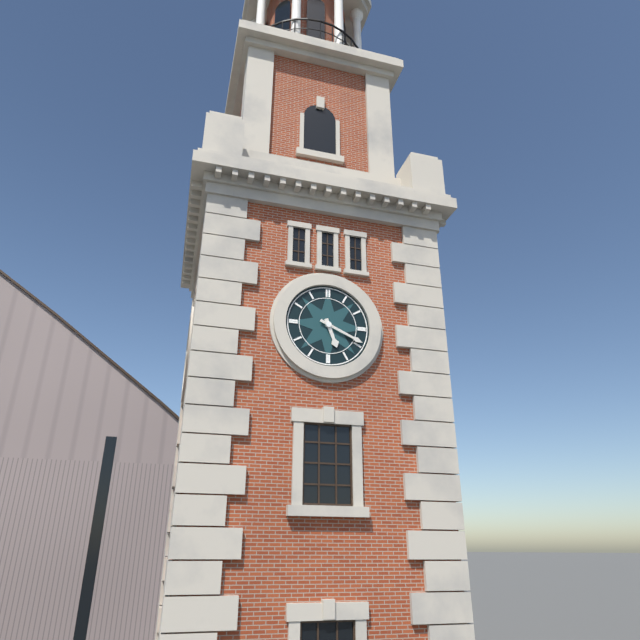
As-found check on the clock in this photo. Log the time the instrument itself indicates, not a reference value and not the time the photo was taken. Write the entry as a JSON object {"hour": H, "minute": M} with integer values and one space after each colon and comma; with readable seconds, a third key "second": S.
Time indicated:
{"hour": 5, "minute": 19}
